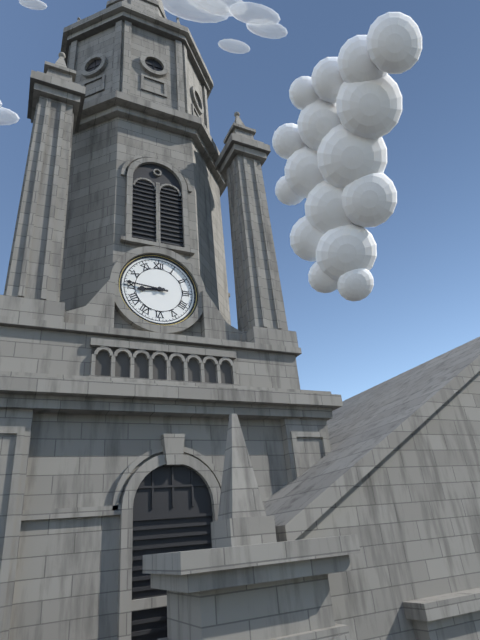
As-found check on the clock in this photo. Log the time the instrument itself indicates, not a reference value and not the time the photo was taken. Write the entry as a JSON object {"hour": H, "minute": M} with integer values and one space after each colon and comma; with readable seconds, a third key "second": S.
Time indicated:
{"hour": 8, "minute": 46}
